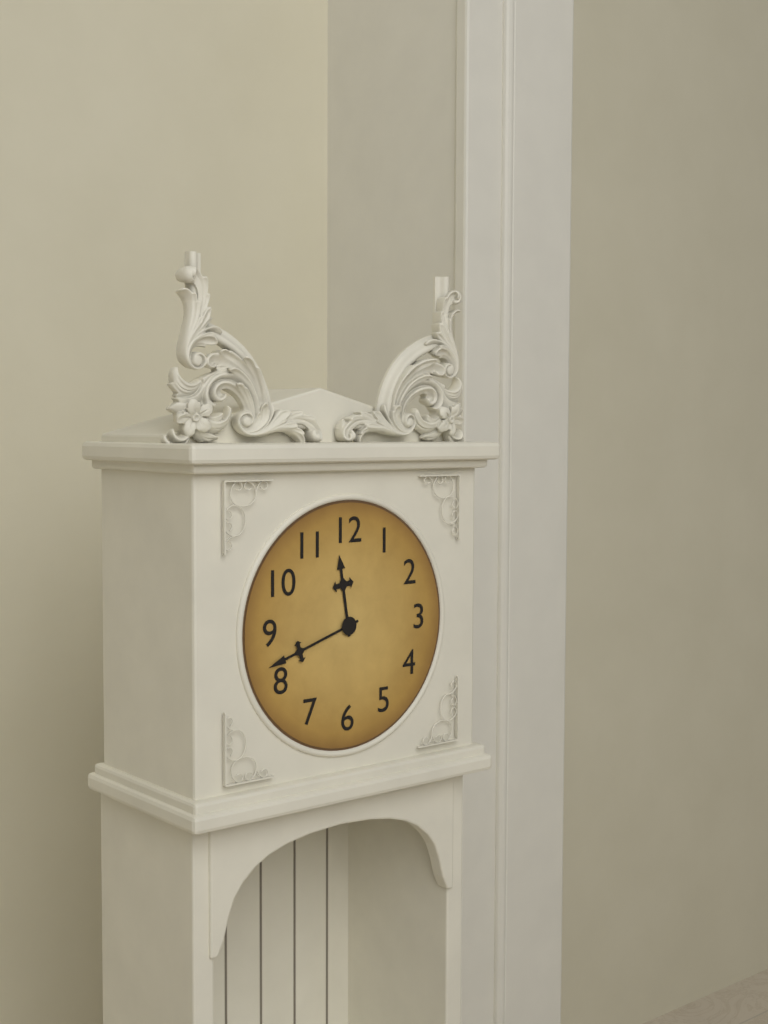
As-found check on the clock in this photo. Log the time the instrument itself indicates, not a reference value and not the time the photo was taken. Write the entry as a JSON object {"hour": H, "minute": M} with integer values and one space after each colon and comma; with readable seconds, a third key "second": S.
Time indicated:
{"hour": 11, "minute": 42}
